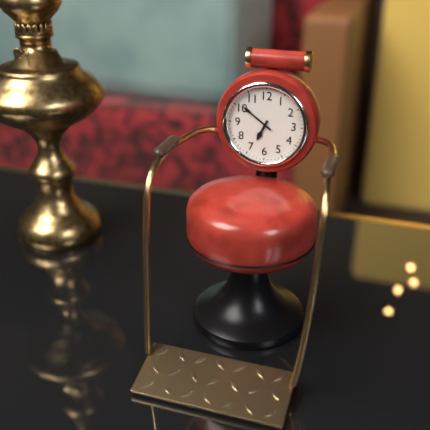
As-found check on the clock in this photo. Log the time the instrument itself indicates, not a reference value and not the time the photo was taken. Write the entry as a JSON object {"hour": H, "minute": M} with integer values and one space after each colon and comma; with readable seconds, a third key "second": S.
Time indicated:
{"hour": 6, "minute": 51}
